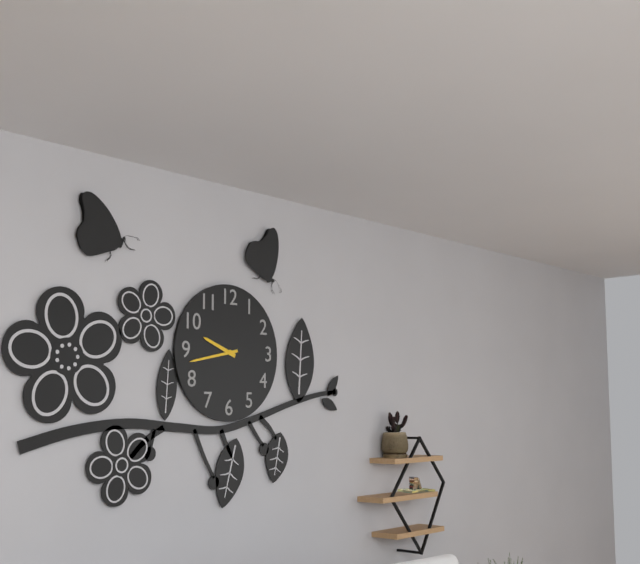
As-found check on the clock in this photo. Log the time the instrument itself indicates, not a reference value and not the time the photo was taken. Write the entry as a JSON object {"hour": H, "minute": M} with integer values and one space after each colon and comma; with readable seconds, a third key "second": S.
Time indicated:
{"hour": 9, "minute": 43}
